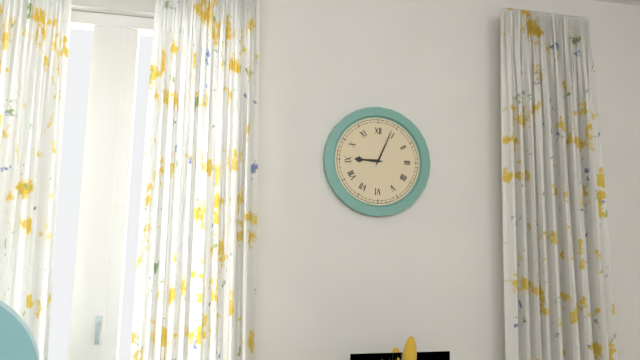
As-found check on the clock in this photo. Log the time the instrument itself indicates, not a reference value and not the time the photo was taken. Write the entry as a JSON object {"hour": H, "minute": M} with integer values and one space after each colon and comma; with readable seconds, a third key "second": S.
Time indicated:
{"hour": 9, "minute": 4}
